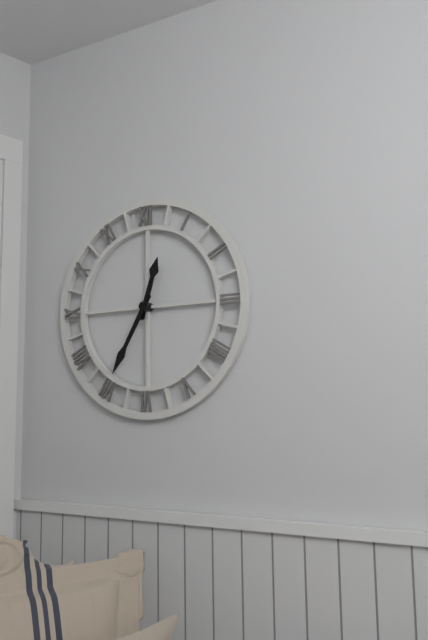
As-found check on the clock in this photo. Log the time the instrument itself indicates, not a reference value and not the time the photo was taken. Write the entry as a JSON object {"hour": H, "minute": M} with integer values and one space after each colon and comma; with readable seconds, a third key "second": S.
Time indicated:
{"hour": 12, "minute": 35}
